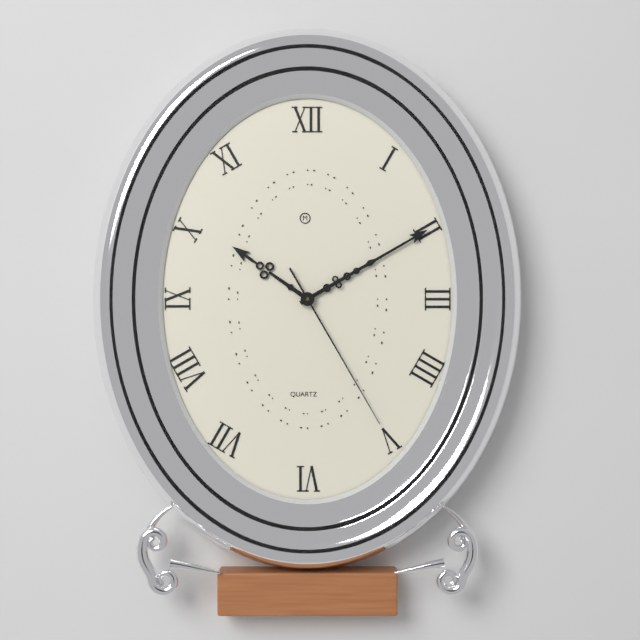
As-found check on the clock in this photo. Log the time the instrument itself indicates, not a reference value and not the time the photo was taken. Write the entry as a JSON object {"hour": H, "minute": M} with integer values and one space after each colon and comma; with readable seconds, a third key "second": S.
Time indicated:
{"hour": 10, "minute": 10, "second": 25}
